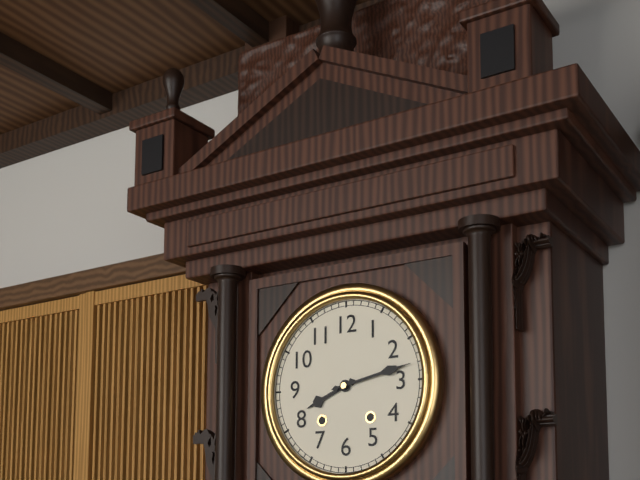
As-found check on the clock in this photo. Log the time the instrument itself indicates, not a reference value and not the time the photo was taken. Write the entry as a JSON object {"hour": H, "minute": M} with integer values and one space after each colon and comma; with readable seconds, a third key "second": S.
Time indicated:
{"hour": 8, "minute": 13}
